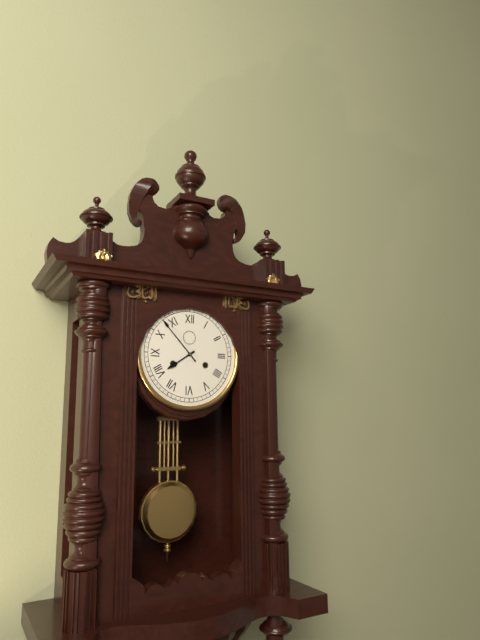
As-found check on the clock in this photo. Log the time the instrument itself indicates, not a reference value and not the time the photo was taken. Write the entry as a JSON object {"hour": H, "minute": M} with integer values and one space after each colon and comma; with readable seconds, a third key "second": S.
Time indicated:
{"hour": 7, "minute": 53}
